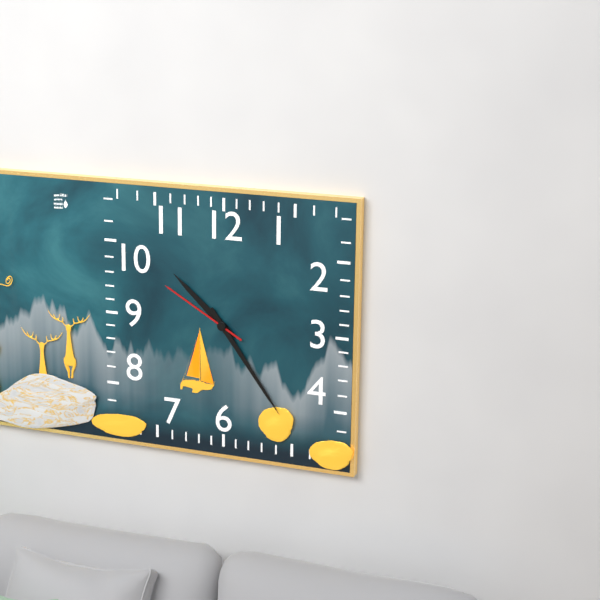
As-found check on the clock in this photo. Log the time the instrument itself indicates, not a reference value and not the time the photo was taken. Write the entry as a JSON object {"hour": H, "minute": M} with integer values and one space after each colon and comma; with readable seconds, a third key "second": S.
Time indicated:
{"hour": 10, "minute": 24, "second": 50}
